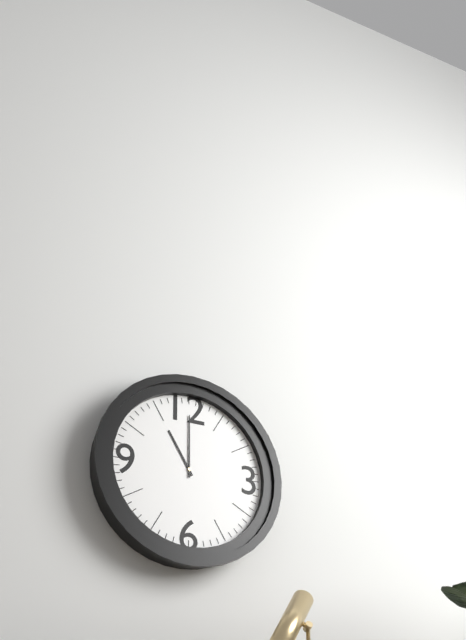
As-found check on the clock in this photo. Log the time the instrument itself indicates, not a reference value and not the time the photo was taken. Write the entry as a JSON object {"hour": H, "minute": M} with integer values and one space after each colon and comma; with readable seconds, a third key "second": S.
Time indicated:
{"hour": 11, "minute": 0}
